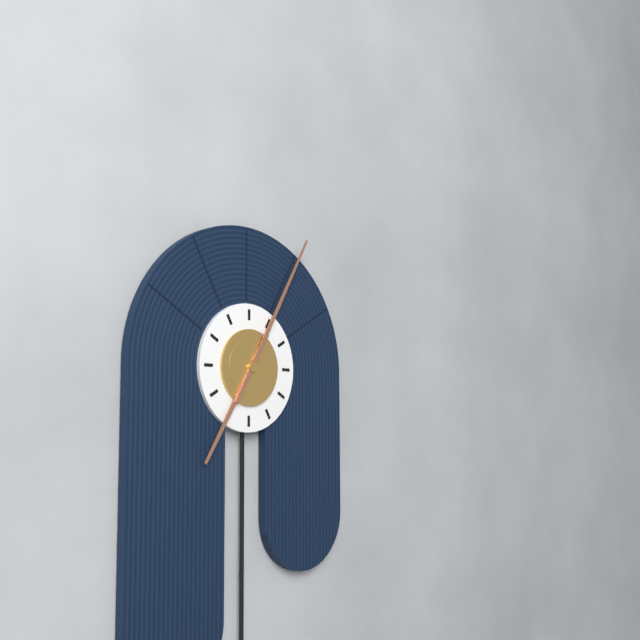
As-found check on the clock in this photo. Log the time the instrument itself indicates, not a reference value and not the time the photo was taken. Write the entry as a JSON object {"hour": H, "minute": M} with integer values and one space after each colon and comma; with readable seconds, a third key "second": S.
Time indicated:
{"hour": 7, "minute": 5}
